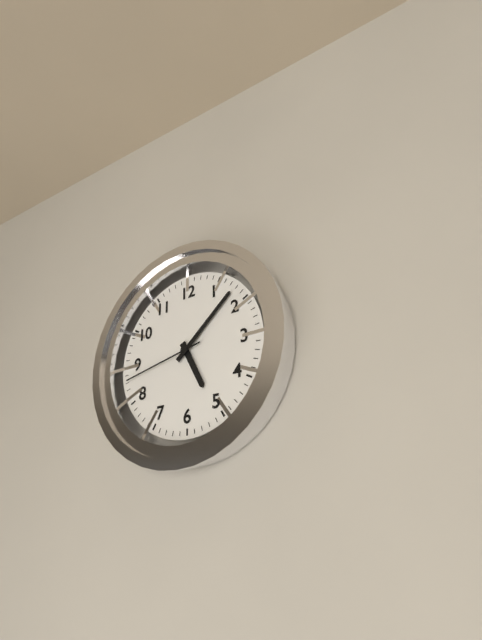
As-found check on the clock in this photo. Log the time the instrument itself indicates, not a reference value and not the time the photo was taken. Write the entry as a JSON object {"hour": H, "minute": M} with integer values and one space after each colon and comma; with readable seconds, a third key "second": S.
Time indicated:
{"hour": 5, "minute": 8, "second": 43}
